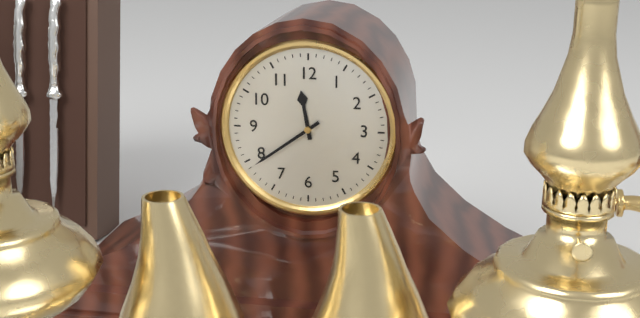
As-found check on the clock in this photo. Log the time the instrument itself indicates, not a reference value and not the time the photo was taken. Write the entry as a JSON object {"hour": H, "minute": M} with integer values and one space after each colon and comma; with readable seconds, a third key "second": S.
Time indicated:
{"hour": 11, "minute": 39}
